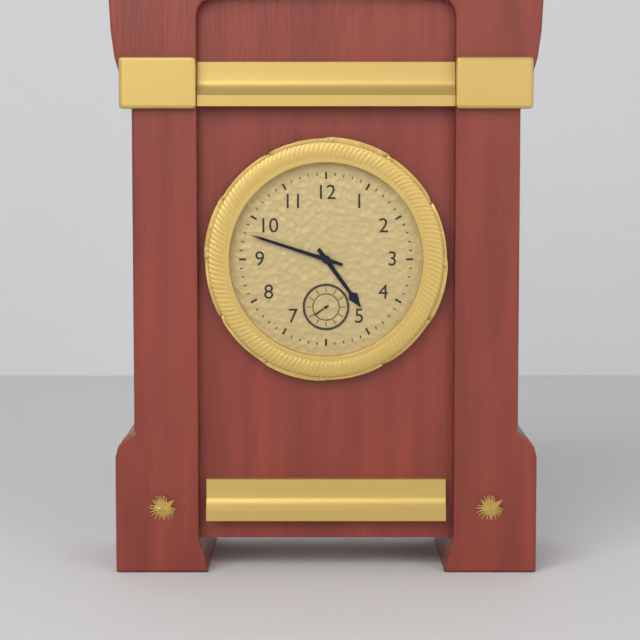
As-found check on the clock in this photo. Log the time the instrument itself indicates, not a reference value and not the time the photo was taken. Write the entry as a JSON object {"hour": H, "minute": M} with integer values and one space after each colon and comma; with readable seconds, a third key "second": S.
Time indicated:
{"hour": 4, "minute": 48}
